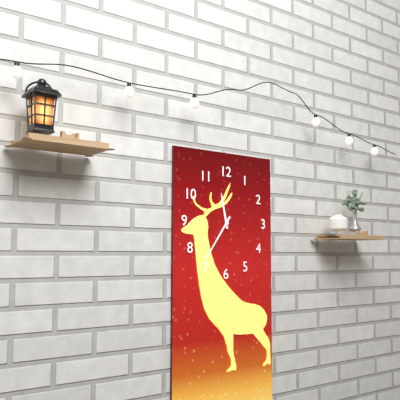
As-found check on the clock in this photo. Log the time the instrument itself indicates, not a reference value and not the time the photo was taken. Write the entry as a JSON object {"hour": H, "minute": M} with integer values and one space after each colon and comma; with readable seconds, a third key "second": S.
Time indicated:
{"hour": 11, "minute": 36}
